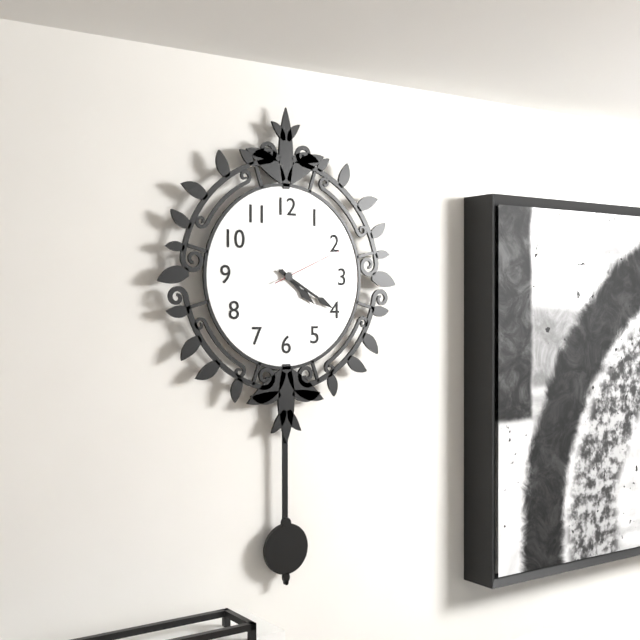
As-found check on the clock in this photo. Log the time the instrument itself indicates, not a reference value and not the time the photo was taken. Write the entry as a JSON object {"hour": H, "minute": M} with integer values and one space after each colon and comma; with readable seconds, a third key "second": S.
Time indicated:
{"hour": 4, "minute": 20, "second": 11}
